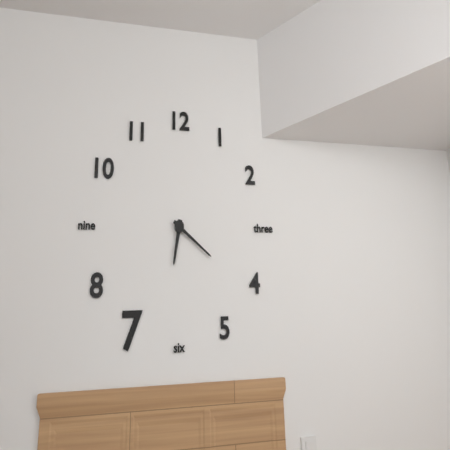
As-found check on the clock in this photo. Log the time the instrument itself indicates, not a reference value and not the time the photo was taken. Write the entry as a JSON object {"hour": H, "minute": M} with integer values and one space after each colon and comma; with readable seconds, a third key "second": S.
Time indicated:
{"hour": 6, "minute": 21}
